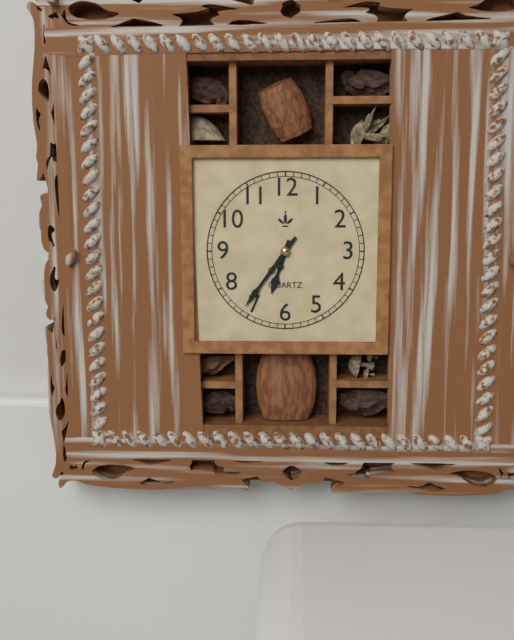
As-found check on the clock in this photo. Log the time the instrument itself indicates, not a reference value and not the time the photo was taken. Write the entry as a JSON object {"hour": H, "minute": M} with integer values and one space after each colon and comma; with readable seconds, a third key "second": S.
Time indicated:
{"hour": 6, "minute": 36}
